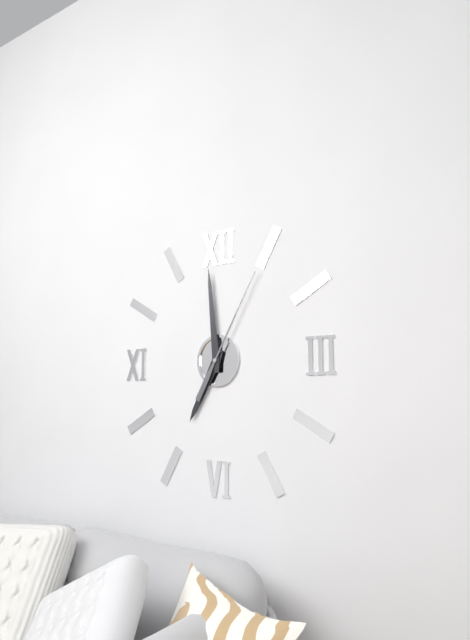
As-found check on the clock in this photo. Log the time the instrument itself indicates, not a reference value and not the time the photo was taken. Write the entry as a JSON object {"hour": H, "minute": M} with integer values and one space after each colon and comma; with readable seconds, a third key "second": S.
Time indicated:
{"hour": 6, "minute": 59, "second": 5}
